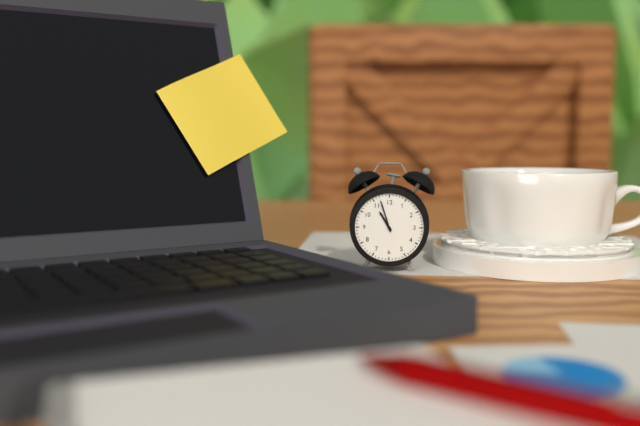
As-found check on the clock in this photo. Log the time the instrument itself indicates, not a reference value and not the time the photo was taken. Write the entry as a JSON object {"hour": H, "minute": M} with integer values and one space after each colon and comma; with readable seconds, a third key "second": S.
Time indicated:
{"hour": 10, "minute": 57}
